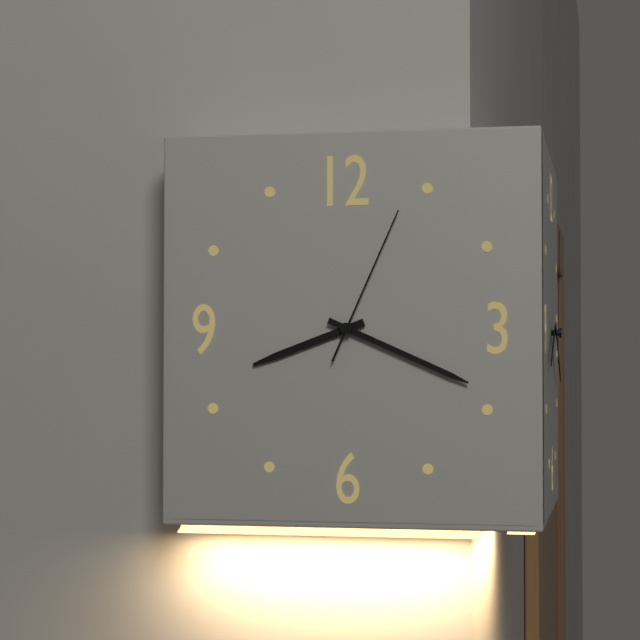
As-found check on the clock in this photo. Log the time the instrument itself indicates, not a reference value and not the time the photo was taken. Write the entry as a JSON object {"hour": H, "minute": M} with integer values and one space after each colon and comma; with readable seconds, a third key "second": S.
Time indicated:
{"hour": 8, "minute": 19, "second": 4}
